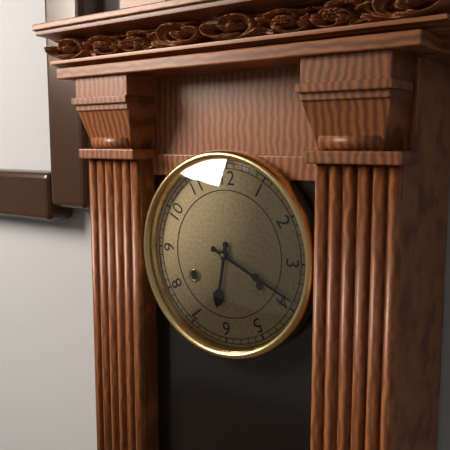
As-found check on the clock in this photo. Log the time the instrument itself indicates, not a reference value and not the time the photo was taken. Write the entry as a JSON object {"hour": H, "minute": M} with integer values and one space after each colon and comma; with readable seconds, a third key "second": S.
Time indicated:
{"hour": 6, "minute": 19}
